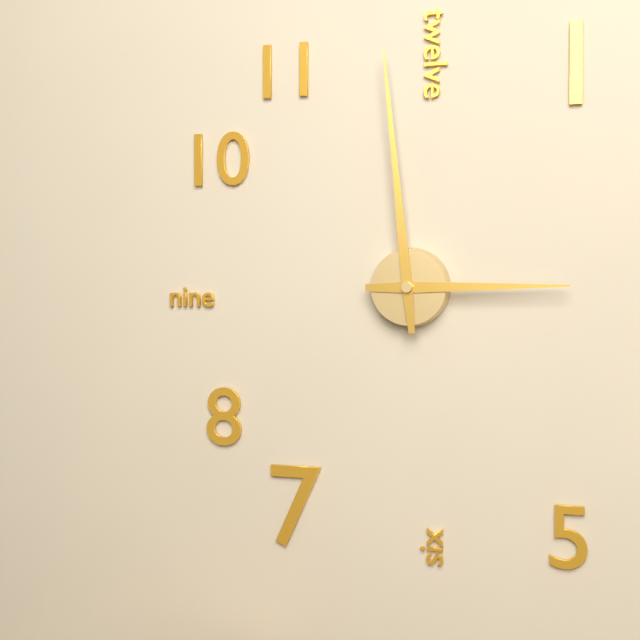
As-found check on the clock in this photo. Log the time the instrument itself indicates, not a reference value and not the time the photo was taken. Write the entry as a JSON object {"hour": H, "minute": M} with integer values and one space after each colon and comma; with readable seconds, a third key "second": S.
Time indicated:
{"hour": 2, "minute": 59}
